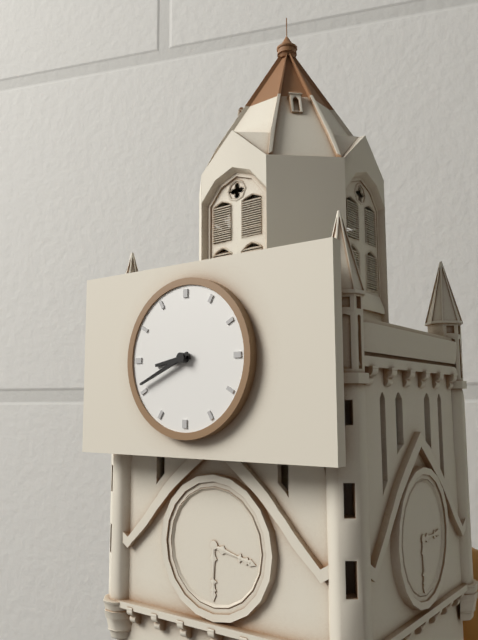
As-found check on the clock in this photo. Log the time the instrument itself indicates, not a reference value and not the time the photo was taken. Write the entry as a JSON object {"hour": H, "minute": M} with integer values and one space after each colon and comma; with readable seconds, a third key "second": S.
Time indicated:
{"hour": 8, "minute": 41}
